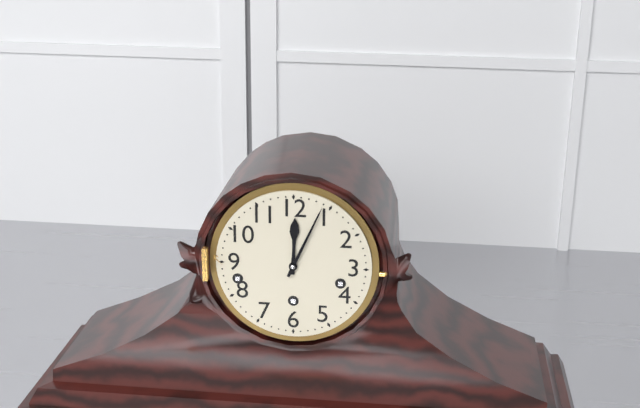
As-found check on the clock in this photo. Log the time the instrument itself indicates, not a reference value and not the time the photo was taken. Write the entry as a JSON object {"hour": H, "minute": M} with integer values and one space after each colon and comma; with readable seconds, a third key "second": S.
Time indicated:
{"hour": 12, "minute": 4}
